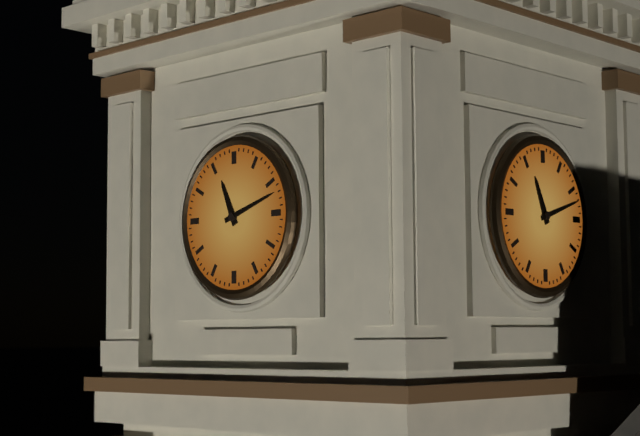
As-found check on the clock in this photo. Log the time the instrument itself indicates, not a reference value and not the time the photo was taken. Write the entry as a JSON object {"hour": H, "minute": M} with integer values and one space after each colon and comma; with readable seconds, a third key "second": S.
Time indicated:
{"hour": 11, "minute": 12}
